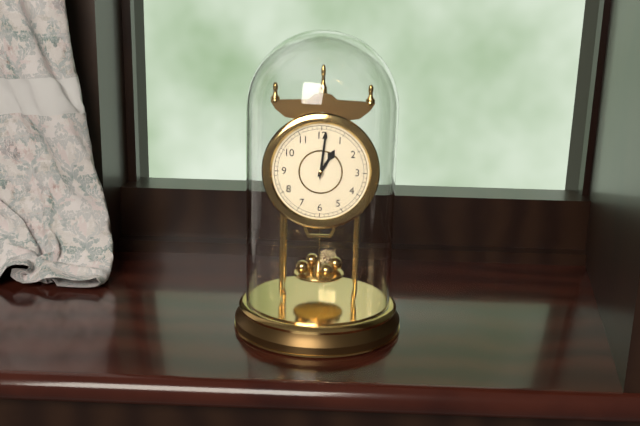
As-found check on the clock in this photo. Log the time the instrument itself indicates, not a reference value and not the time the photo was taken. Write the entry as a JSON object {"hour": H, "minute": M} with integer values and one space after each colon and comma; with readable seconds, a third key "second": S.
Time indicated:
{"hour": 1, "minute": 1}
